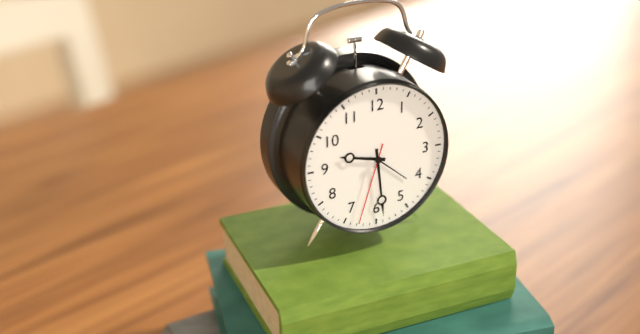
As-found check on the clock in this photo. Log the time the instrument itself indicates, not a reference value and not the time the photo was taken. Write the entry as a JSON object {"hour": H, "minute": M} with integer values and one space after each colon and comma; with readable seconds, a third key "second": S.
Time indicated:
{"hour": 9, "minute": 29, "second": 33}
